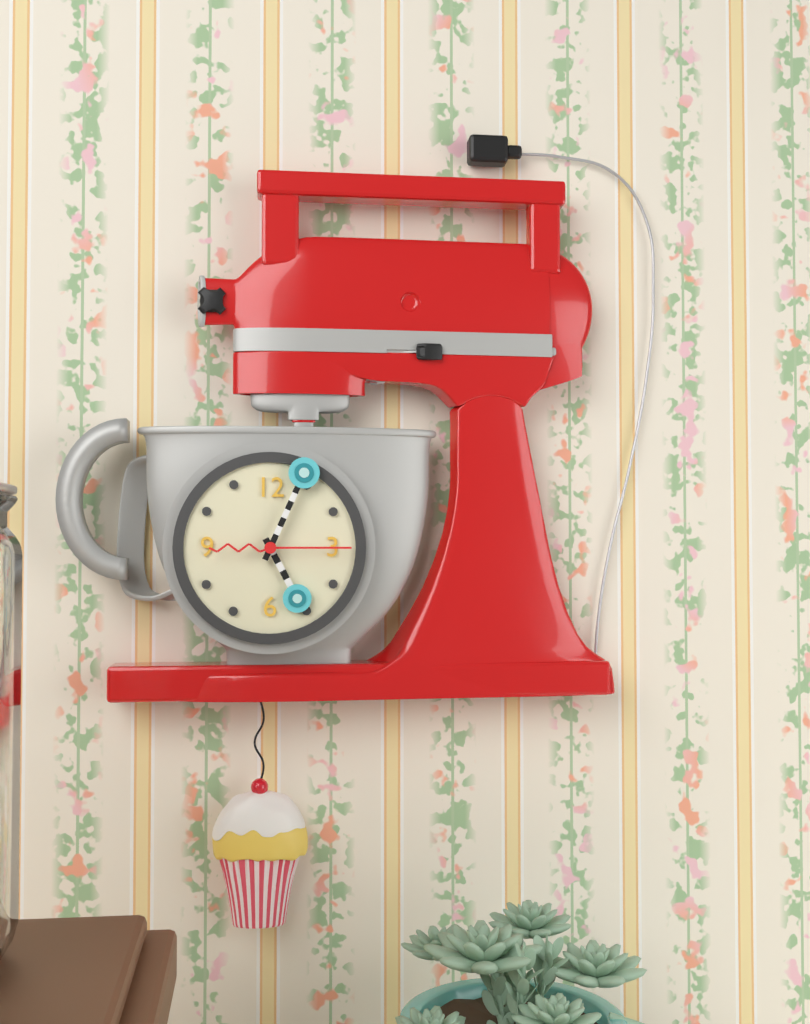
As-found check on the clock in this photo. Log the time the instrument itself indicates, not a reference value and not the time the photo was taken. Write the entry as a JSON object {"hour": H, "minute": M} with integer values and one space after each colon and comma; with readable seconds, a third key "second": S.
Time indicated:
{"hour": 5, "minute": 4, "second": 15}
